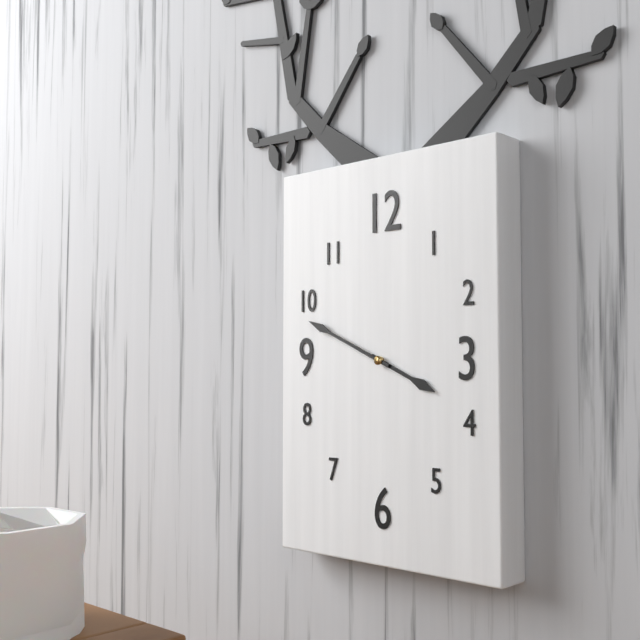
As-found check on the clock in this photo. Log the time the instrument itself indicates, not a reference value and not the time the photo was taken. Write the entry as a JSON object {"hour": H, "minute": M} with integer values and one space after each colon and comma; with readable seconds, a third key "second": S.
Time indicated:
{"hour": 3, "minute": 49}
